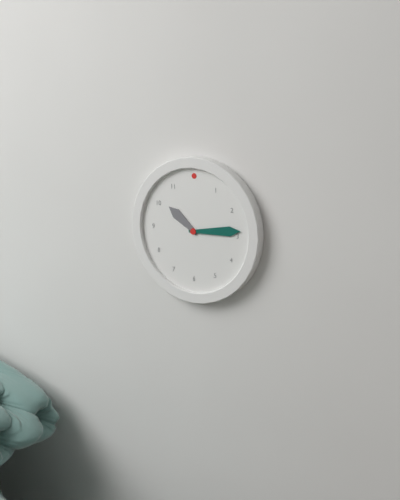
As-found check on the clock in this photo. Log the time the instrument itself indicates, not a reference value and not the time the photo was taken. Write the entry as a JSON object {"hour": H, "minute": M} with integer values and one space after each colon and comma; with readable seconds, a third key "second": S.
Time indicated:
{"hour": 10, "minute": 14}
